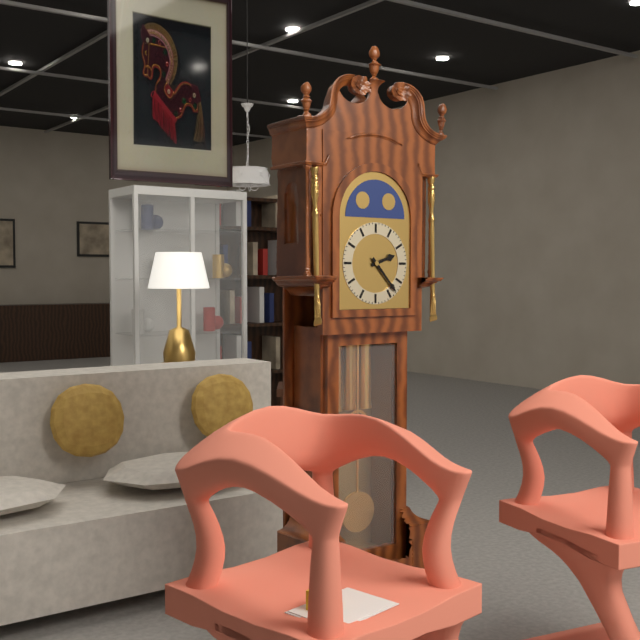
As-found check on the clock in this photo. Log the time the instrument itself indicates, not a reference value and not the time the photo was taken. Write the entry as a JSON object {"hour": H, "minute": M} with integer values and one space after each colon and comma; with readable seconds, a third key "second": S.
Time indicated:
{"hour": 2, "minute": 23}
